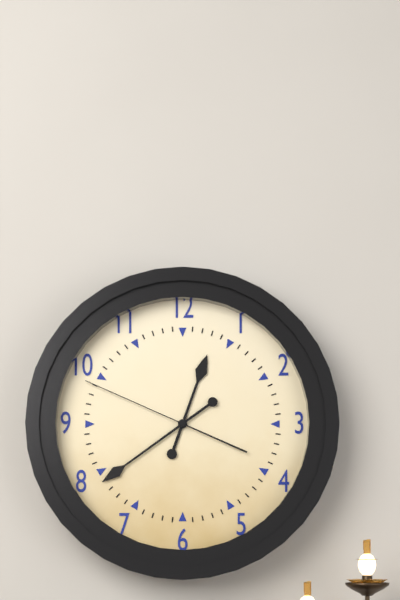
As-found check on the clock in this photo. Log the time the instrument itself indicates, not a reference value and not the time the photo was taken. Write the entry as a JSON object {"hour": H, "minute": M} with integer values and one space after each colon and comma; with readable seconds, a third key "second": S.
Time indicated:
{"hour": 12, "minute": 39, "second": 49}
